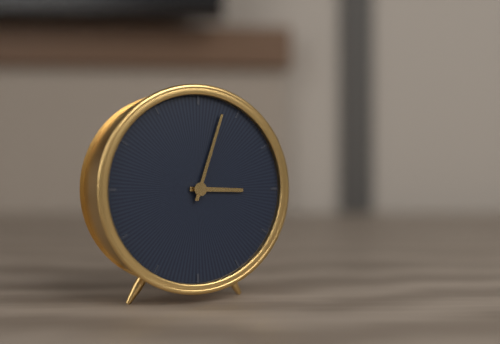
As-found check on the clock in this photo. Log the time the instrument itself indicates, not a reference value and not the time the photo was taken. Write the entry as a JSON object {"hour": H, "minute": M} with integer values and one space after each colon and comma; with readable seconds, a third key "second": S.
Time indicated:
{"hour": 3, "minute": 3}
